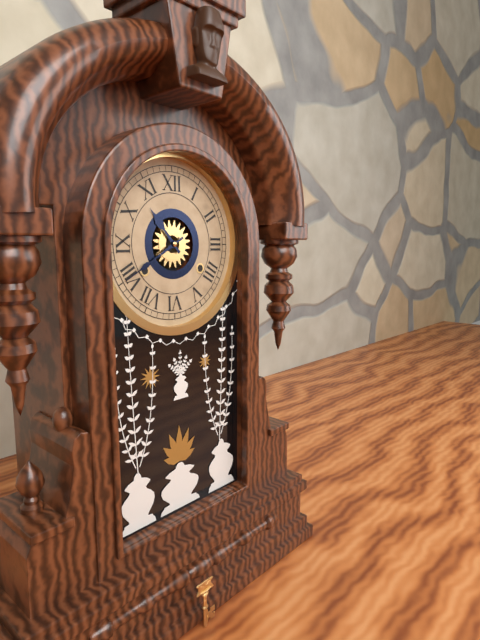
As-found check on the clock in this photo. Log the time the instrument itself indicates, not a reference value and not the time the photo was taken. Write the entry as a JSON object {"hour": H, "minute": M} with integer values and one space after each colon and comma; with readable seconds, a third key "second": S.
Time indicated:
{"hour": 10, "minute": 40}
